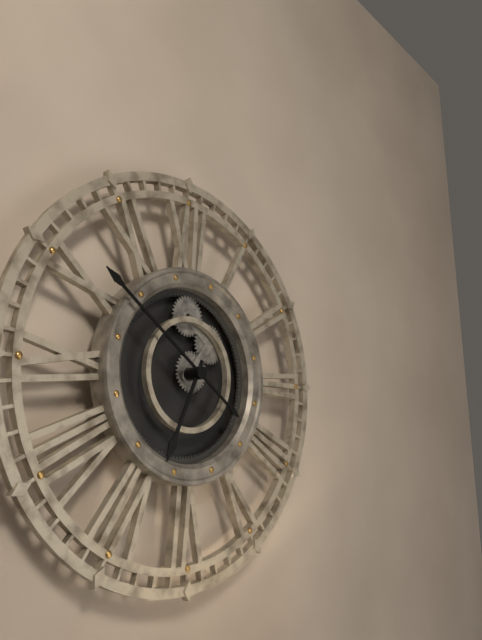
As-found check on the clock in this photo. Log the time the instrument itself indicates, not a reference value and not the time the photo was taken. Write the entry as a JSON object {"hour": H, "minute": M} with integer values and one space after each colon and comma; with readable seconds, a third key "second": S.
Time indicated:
{"hour": 6, "minute": 51}
